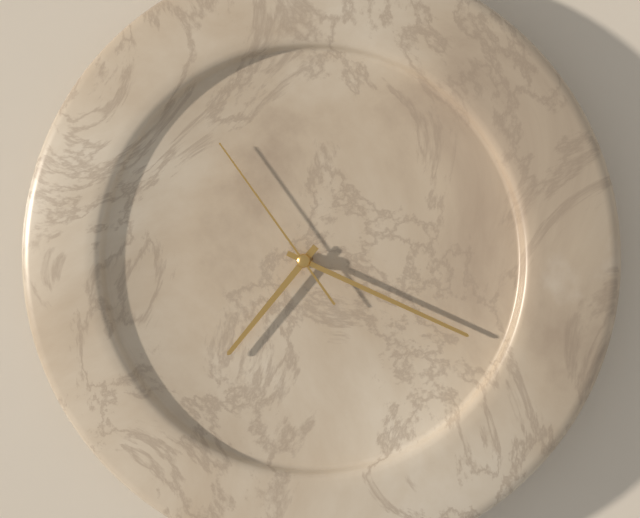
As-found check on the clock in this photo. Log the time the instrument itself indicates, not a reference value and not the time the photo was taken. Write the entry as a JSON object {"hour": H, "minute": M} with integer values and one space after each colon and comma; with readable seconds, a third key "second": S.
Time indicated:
{"hour": 7, "minute": 19, "second": 54}
